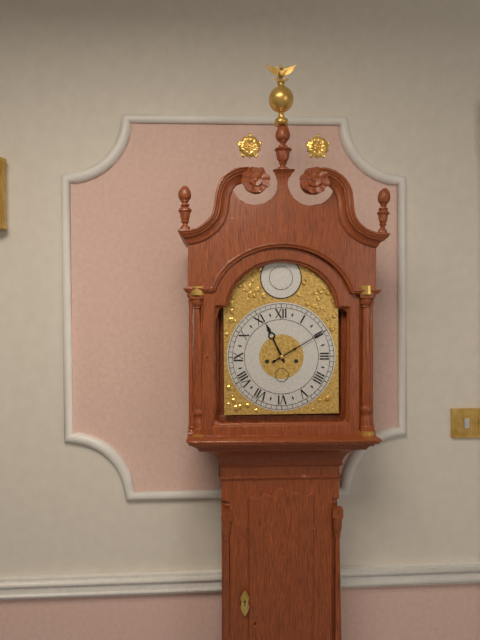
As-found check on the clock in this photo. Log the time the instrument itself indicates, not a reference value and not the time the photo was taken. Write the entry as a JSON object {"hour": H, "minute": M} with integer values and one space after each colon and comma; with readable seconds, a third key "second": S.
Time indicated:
{"hour": 11, "minute": 10}
